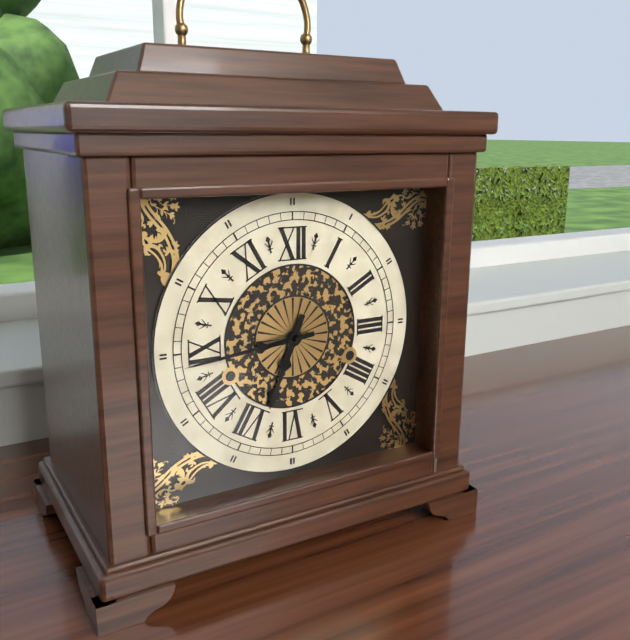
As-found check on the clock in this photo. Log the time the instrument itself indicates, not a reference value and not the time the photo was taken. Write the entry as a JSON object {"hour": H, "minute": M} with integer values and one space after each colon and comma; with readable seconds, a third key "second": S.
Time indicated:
{"hour": 6, "minute": 44}
